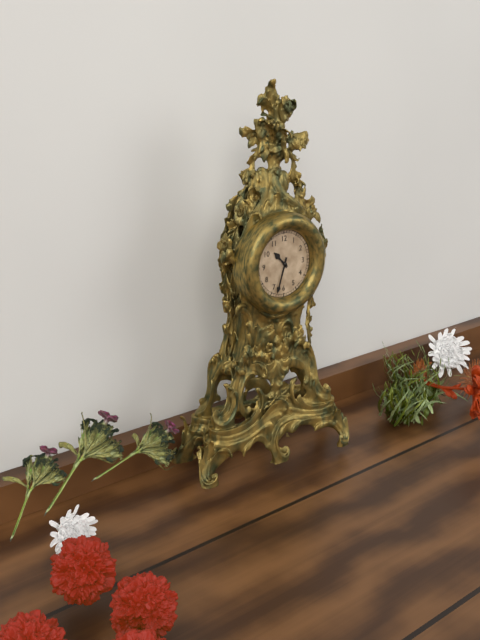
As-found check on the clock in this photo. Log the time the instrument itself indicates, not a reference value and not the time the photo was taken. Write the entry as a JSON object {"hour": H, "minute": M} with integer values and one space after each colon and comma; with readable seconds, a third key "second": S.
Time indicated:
{"hour": 10, "minute": 33}
